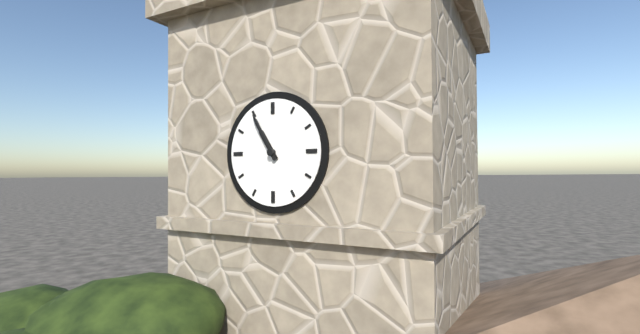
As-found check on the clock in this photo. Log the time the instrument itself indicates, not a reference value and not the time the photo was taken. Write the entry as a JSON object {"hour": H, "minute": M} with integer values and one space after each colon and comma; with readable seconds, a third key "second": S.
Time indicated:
{"hour": 10, "minute": 55}
